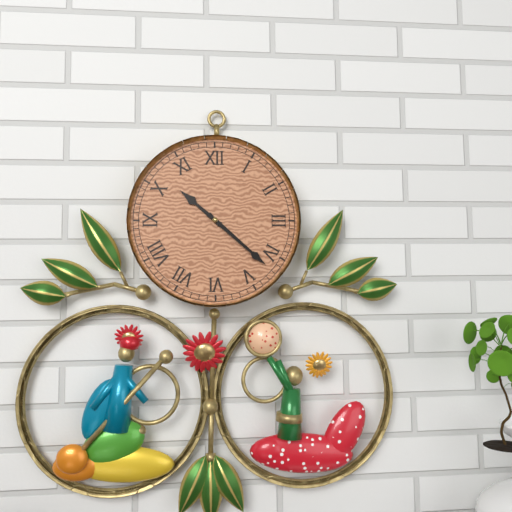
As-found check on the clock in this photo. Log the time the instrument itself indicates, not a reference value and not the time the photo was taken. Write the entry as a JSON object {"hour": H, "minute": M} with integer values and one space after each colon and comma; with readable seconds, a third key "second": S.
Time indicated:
{"hour": 10, "minute": 22}
